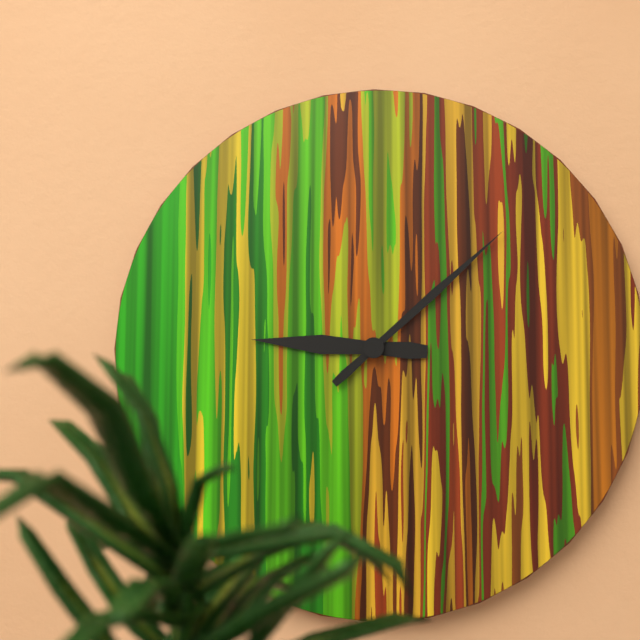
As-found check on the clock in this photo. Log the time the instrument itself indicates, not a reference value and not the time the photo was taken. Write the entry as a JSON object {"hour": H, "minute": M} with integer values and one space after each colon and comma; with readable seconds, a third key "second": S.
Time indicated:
{"hour": 9, "minute": 8}
